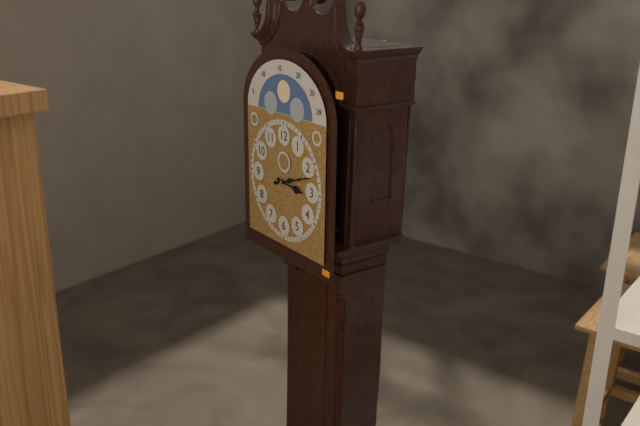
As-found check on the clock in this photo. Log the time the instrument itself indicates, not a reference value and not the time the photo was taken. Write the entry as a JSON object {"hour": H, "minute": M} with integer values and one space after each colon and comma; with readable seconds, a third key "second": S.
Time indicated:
{"hour": 3, "minute": 12}
